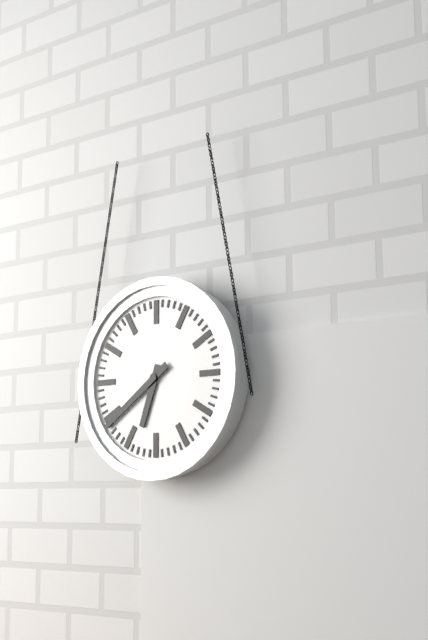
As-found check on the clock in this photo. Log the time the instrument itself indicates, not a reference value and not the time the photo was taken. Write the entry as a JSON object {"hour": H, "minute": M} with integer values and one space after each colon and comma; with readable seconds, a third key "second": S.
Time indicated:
{"hour": 6, "minute": 39}
